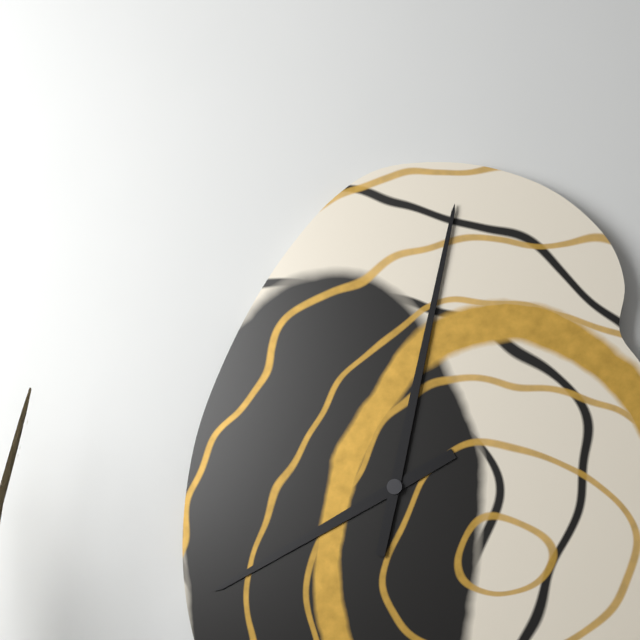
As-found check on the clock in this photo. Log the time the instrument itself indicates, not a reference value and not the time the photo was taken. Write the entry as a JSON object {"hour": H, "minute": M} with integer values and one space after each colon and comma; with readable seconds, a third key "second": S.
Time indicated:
{"hour": 8, "minute": 2}
